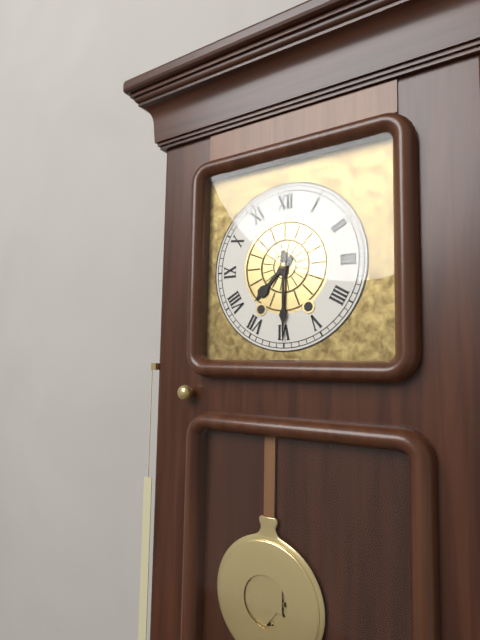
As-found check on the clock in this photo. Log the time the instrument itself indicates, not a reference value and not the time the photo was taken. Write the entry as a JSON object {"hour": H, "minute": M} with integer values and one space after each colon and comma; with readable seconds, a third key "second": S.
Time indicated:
{"hour": 7, "minute": 30}
